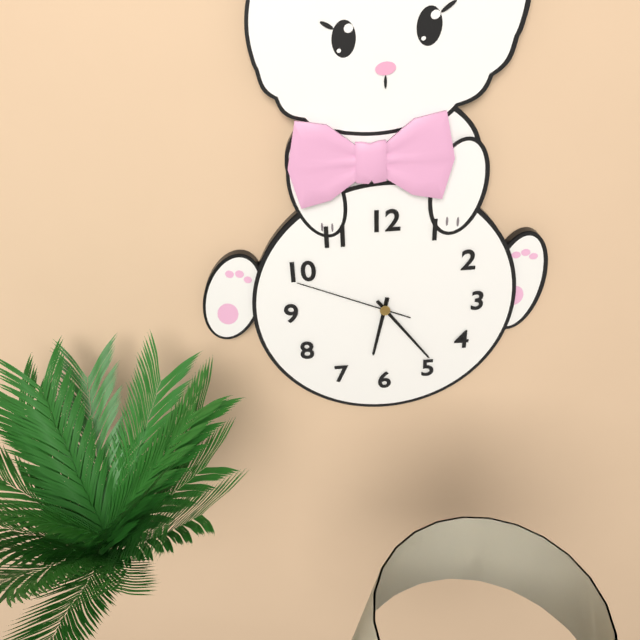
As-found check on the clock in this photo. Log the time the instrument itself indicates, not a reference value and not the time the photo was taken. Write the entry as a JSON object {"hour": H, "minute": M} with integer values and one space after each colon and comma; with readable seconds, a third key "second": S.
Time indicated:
{"hour": 6, "minute": 24, "second": 49}
